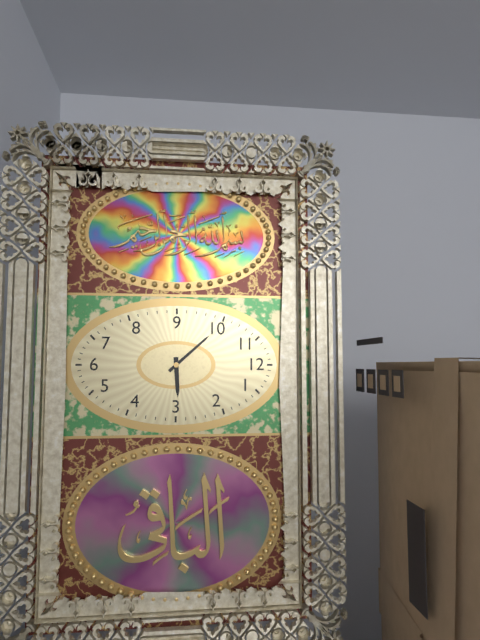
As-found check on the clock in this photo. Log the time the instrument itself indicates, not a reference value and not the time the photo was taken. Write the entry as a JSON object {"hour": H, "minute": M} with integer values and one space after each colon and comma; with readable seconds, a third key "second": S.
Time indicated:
{"hour": 2, "minute": 53}
